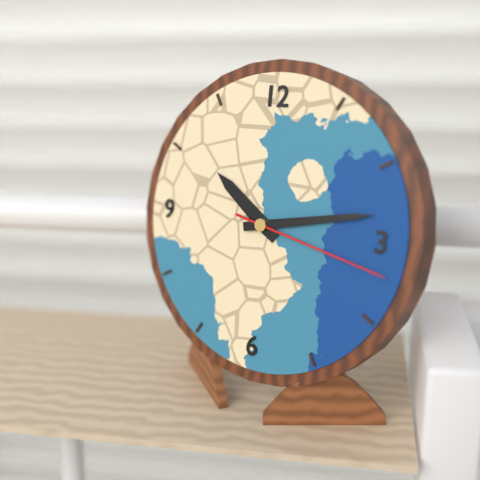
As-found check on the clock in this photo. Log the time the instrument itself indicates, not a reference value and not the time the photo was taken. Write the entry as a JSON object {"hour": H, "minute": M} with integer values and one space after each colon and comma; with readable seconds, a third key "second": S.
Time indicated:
{"hour": 10, "minute": 13, "second": 17}
